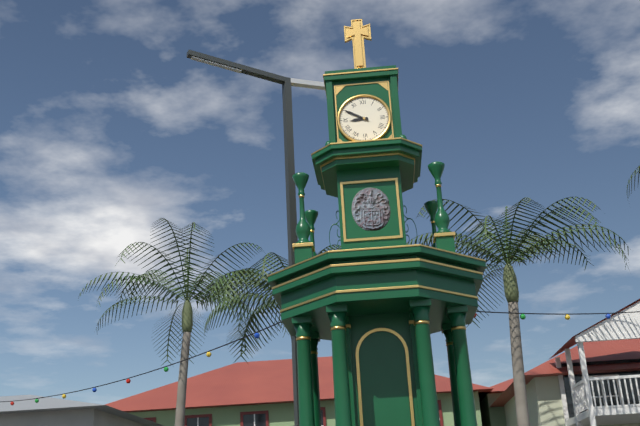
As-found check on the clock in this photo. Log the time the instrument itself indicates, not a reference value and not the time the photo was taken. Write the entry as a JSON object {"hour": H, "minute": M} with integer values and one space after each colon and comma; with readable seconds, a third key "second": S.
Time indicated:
{"hour": 8, "minute": 50}
